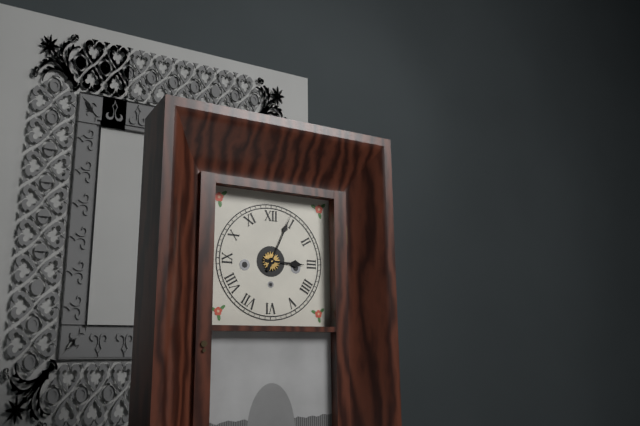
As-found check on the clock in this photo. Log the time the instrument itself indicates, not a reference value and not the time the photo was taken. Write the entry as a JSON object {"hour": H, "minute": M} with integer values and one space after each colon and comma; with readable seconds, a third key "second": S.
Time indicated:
{"hour": 3, "minute": 4}
